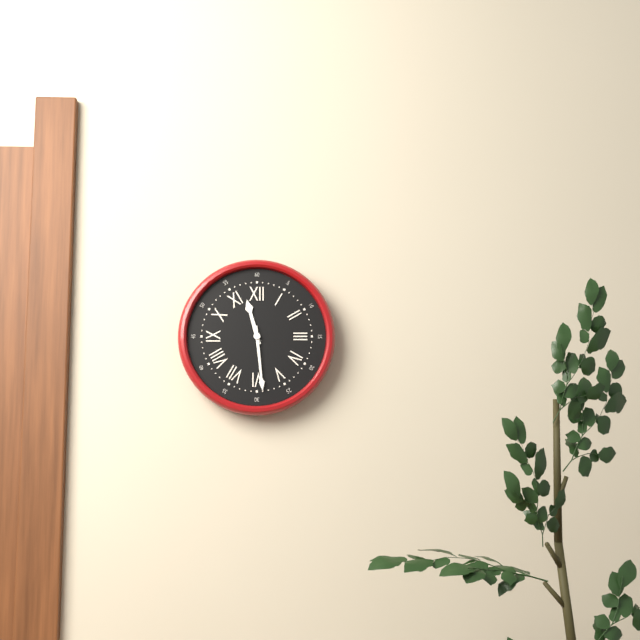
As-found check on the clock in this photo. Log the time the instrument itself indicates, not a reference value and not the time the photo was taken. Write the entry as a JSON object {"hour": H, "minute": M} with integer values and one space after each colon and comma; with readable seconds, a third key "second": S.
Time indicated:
{"hour": 11, "minute": 29}
